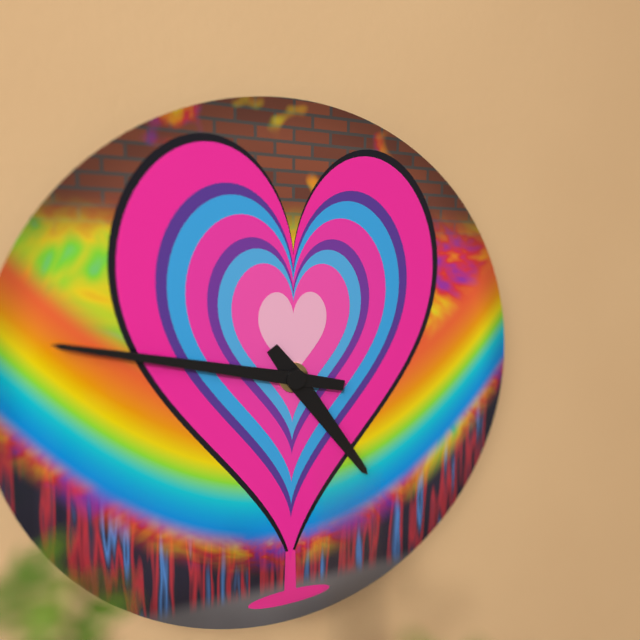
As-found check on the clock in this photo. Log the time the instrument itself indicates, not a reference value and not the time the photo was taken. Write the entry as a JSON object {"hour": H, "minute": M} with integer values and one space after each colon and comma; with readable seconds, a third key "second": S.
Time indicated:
{"hour": 4, "minute": 47}
